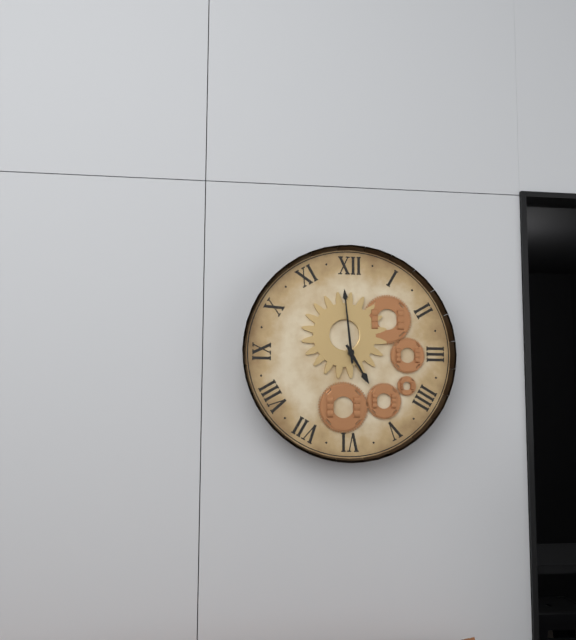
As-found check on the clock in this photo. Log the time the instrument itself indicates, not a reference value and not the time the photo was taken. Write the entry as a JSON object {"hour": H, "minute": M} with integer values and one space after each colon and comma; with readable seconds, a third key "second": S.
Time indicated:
{"hour": 4, "minute": 59}
